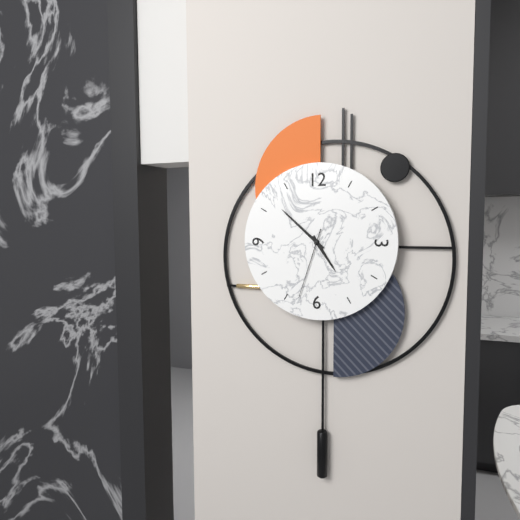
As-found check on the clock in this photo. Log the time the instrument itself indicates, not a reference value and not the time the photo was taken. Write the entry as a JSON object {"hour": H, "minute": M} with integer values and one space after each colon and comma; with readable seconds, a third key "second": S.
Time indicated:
{"hour": 4, "minute": 52, "second": 33}
